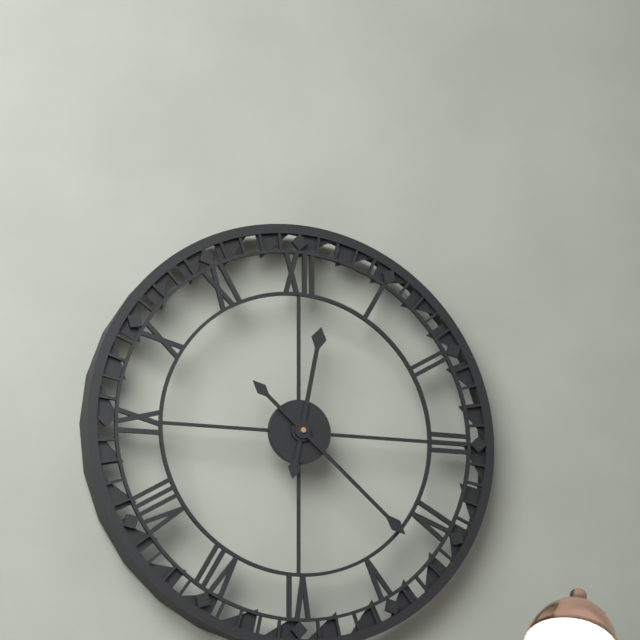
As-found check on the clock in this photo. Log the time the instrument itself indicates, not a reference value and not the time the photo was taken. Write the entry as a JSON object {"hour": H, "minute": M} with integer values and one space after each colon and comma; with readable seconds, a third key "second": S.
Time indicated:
{"hour": 12, "minute": 22}
